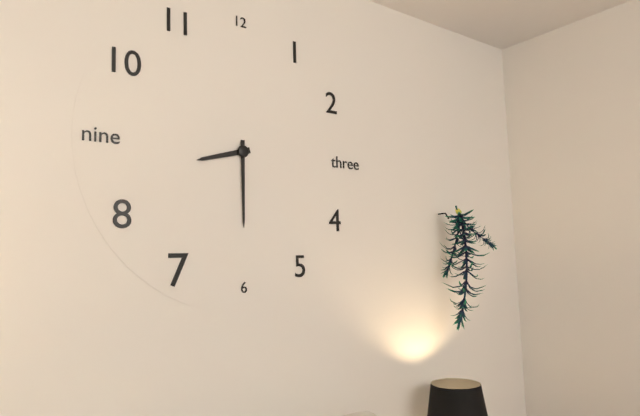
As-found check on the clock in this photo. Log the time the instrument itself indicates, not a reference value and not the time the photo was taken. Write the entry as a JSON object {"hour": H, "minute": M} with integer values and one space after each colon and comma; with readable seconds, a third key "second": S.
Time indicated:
{"hour": 8, "minute": 30}
